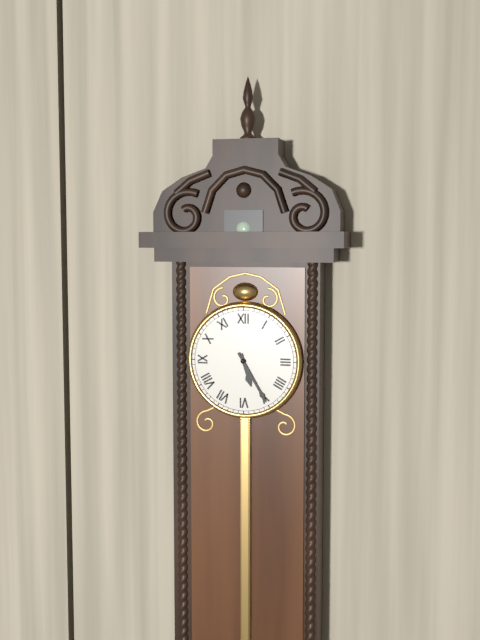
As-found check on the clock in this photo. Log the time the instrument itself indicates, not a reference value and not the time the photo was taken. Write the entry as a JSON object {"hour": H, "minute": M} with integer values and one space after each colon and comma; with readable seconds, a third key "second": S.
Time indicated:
{"hour": 5, "minute": 25}
